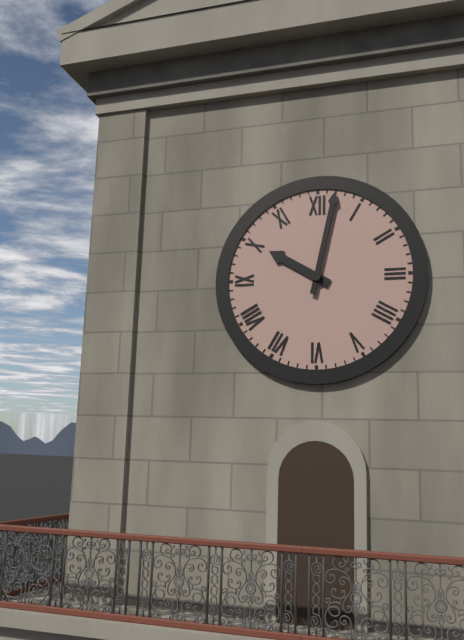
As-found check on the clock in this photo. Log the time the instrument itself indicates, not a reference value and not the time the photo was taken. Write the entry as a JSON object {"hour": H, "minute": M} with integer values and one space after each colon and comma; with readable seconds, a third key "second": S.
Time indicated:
{"hour": 10, "minute": 2}
